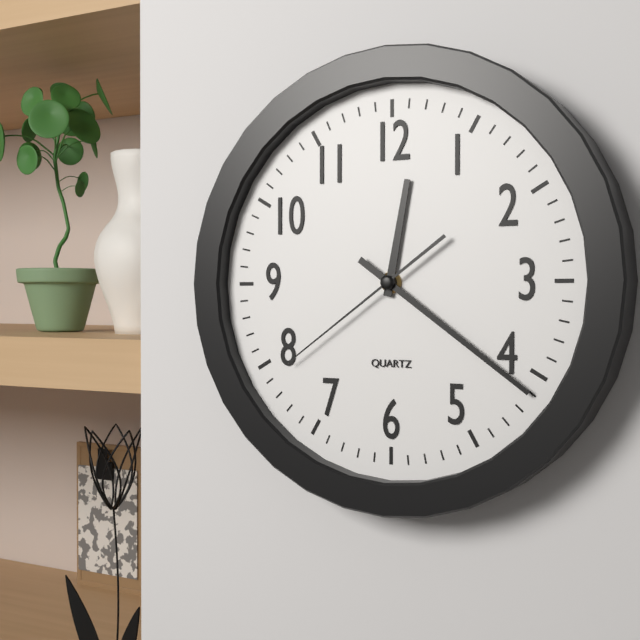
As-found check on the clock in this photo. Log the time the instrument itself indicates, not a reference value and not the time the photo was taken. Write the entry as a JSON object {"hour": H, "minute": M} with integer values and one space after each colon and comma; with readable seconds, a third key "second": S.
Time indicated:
{"hour": 12, "minute": 21, "second": 39}
